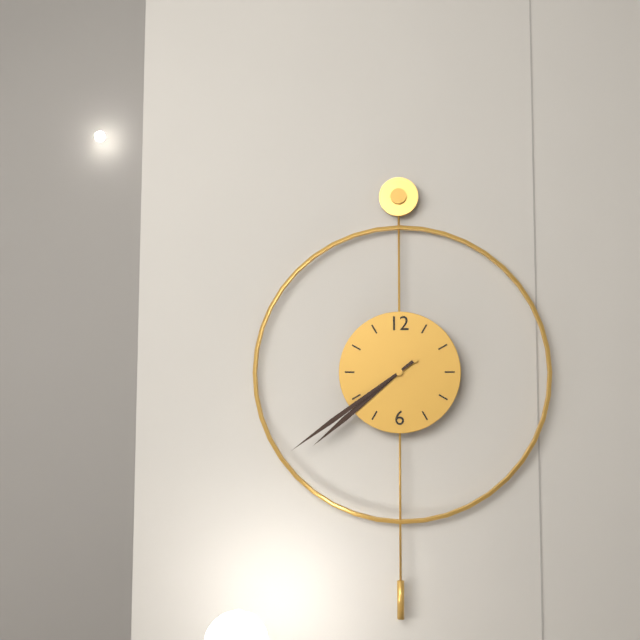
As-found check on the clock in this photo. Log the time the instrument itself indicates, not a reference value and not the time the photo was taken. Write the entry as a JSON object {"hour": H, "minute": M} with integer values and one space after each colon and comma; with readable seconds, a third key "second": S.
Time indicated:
{"hour": 7, "minute": 39}
